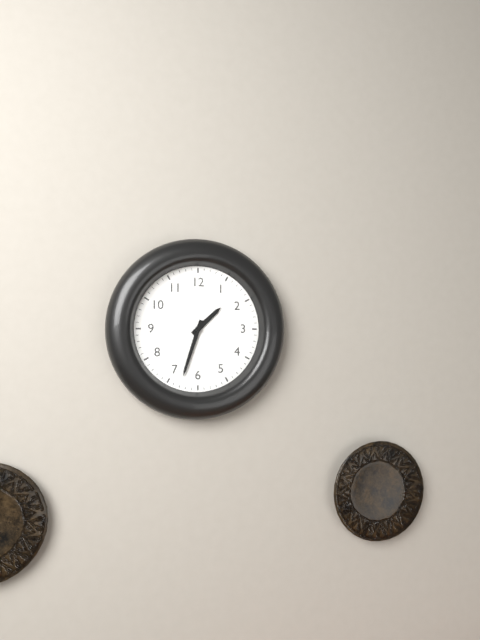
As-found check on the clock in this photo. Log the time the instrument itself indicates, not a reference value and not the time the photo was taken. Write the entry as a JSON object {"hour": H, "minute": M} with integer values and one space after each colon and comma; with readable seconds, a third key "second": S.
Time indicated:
{"hour": 1, "minute": 33}
